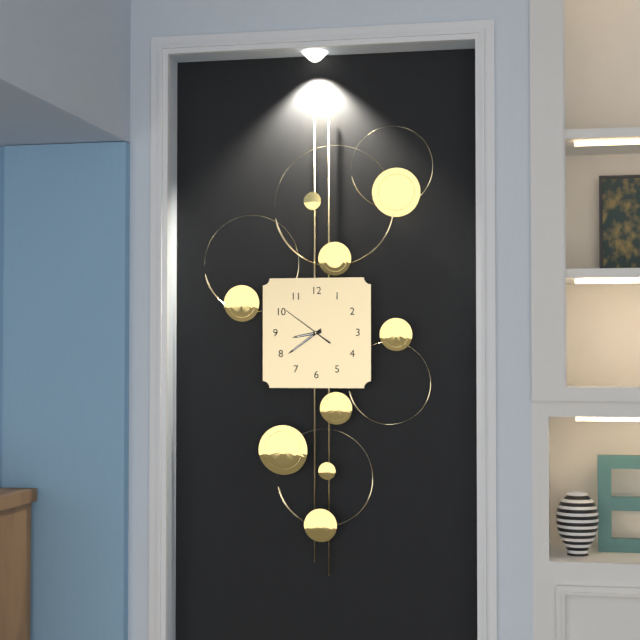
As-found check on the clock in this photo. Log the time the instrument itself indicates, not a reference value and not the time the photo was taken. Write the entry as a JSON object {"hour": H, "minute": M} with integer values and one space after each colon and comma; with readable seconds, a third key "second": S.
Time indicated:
{"hour": 8, "minute": 39}
